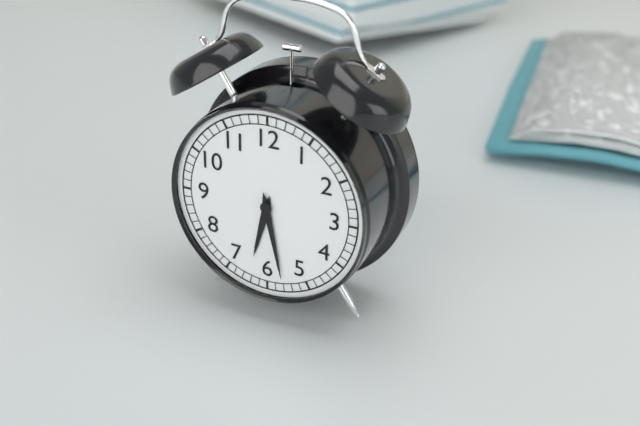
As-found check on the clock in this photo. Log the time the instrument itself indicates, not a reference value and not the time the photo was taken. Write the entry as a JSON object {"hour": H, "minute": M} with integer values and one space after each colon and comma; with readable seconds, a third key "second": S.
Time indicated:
{"hour": 6, "minute": 28}
